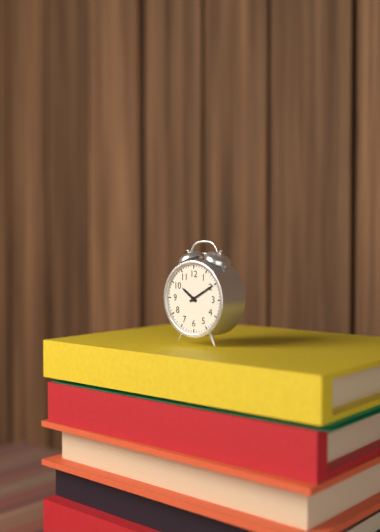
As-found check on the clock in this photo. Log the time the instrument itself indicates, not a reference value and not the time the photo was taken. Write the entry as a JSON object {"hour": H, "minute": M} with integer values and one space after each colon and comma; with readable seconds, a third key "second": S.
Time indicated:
{"hour": 10, "minute": 10}
